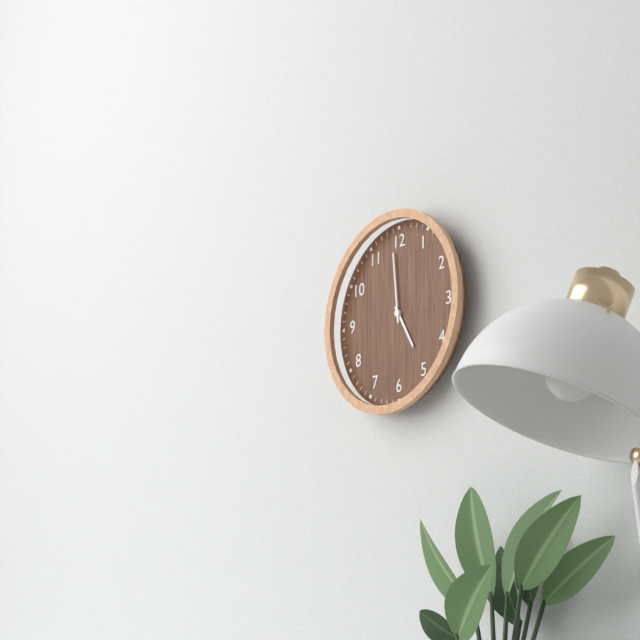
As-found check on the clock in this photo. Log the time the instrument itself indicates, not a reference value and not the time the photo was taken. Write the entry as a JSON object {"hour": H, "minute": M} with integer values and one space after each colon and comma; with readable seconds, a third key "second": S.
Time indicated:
{"hour": 4, "minute": 59}
